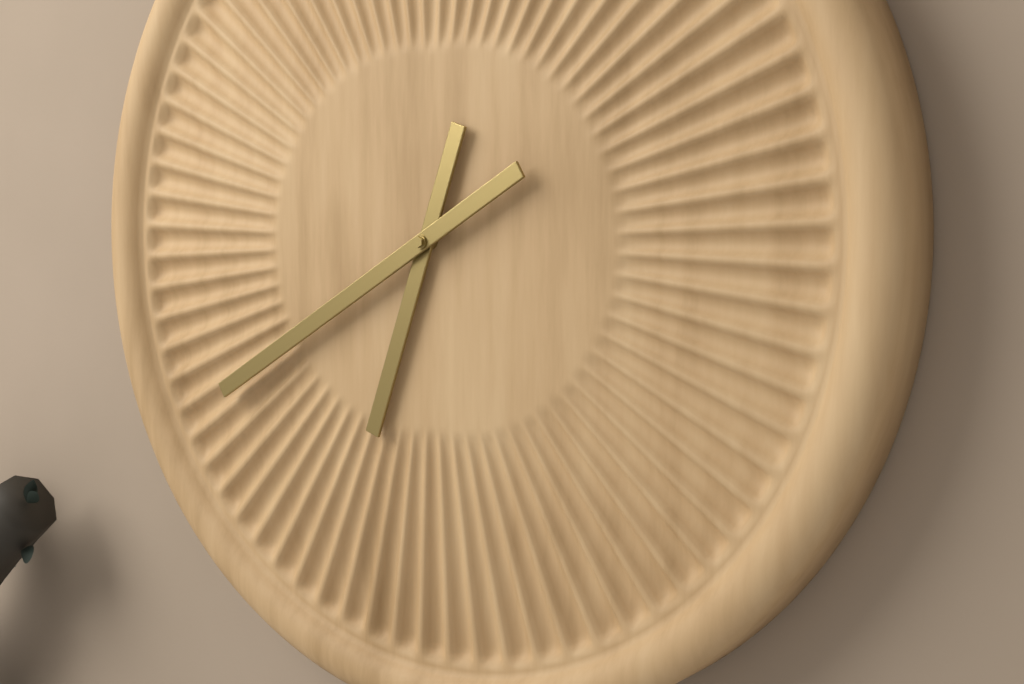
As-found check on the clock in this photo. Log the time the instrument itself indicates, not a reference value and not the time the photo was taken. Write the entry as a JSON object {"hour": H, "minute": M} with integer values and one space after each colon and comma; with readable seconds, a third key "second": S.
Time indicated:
{"hour": 6, "minute": 40}
